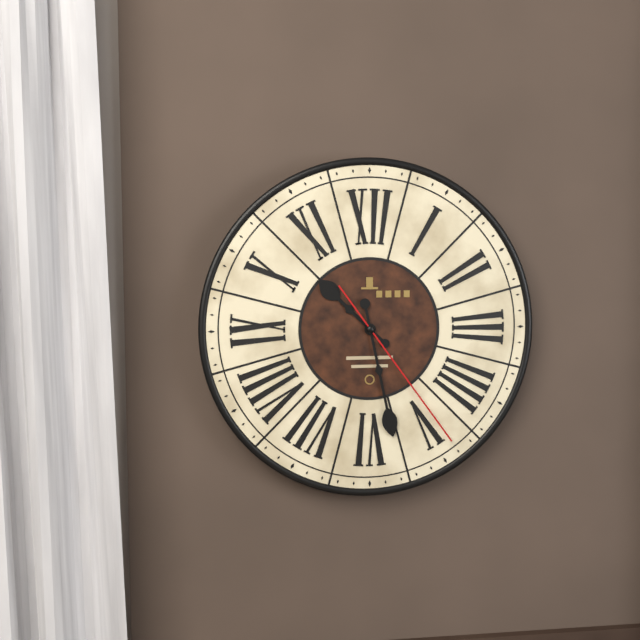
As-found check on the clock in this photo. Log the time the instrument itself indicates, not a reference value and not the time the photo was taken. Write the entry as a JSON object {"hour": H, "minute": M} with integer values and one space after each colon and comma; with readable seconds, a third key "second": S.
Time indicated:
{"hour": 10, "minute": 28, "second": 24}
